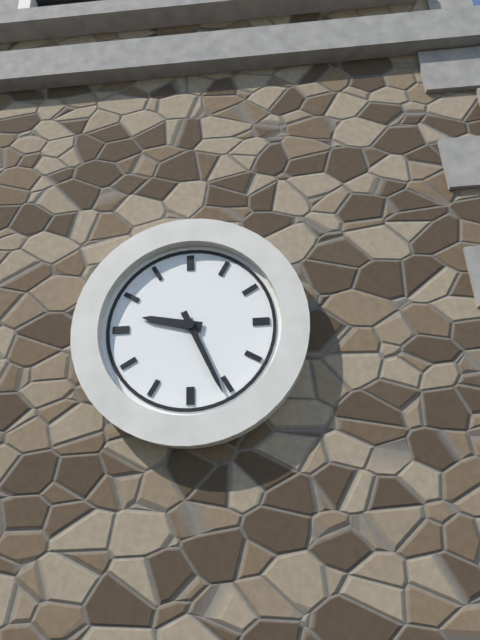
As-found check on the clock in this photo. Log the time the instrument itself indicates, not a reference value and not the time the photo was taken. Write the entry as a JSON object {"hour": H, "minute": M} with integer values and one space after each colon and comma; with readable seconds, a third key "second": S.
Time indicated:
{"hour": 9, "minute": 26}
